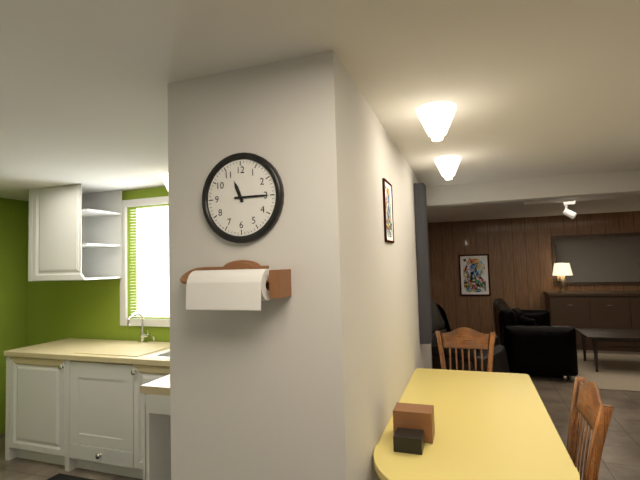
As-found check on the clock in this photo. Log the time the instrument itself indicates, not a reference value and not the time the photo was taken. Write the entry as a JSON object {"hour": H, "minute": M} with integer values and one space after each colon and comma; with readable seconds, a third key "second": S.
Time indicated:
{"hour": 11, "minute": 15}
